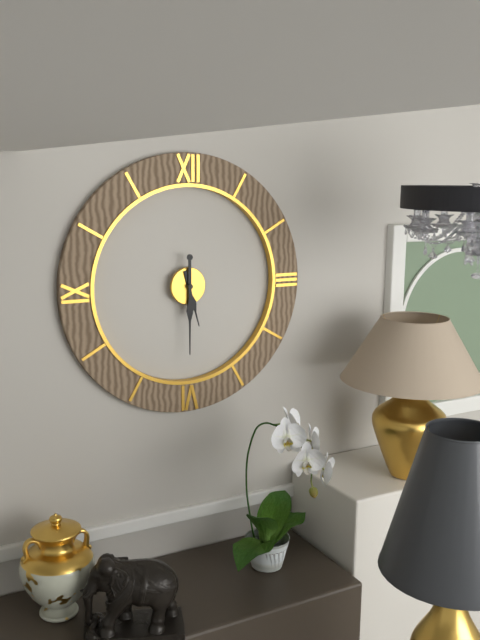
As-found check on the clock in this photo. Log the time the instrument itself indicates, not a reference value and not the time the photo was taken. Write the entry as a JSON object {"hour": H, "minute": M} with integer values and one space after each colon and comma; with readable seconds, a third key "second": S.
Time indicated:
{"hour": 5, "minute": 30}
